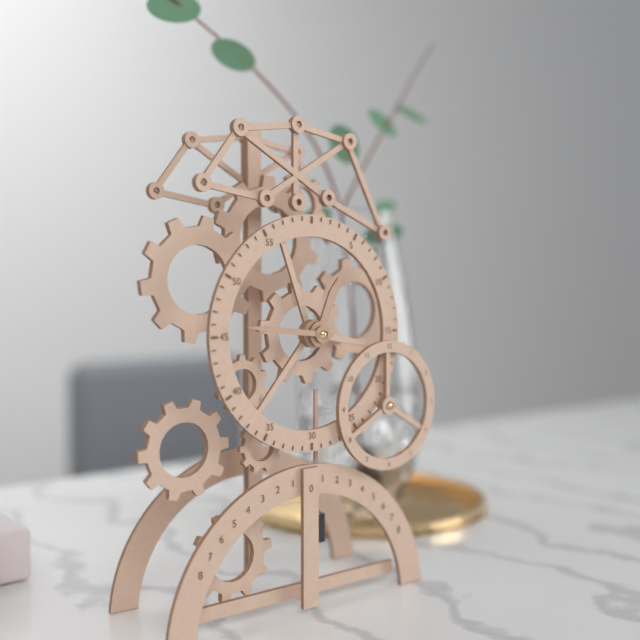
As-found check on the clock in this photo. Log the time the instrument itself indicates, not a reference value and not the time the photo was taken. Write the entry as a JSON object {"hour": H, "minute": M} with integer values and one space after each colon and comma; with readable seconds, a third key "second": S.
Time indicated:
{"hour": 12, "minute": 46}
